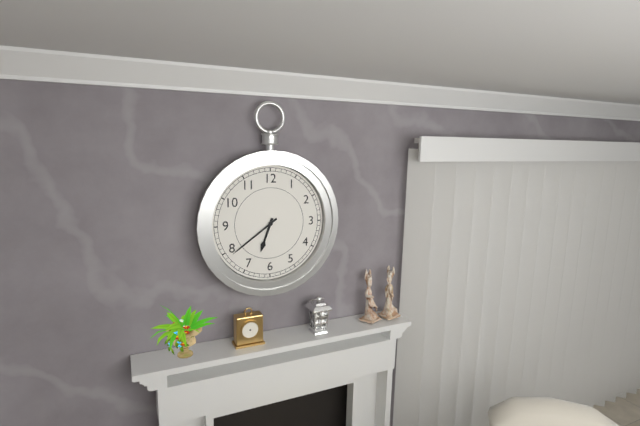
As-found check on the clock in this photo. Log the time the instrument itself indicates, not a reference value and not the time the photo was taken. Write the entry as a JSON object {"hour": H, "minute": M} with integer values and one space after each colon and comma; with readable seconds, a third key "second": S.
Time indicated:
{"hour": 6, "minute": 39}
